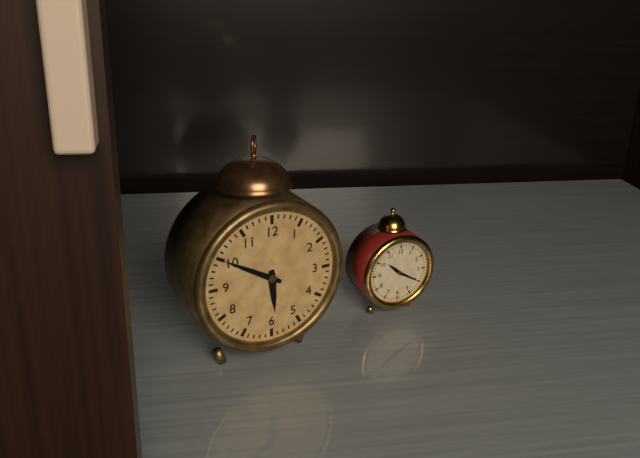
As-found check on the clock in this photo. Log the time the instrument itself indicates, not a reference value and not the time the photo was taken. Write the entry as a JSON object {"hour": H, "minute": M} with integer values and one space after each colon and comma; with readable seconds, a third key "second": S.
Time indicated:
{"hour": 5, "minute": 50}
